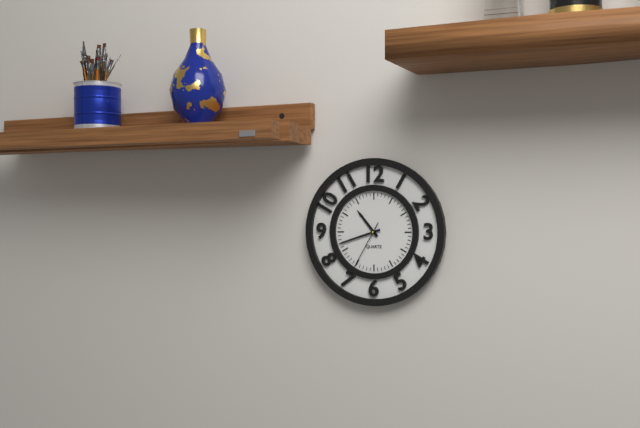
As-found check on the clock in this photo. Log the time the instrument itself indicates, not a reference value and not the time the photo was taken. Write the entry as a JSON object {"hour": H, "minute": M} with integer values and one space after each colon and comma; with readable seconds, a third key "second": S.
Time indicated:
{"hour": 10, "minute": 42}
